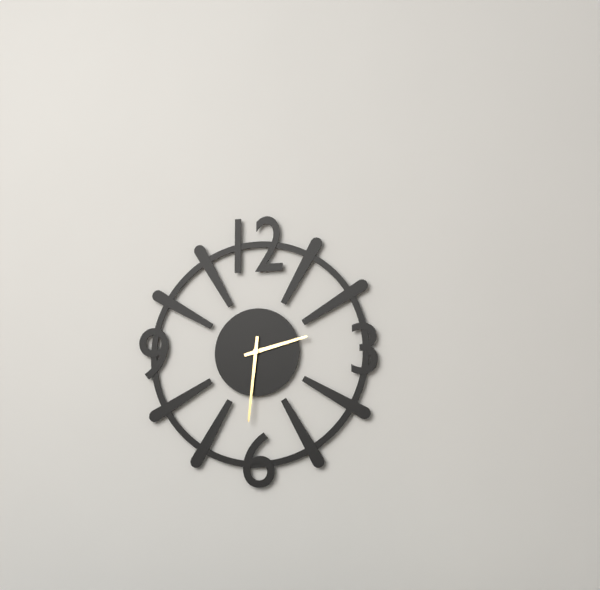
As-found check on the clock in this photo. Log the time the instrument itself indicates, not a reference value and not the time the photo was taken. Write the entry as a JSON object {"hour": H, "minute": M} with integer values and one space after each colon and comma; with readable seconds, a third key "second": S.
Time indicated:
{"hour": 2, "minute": 31}
